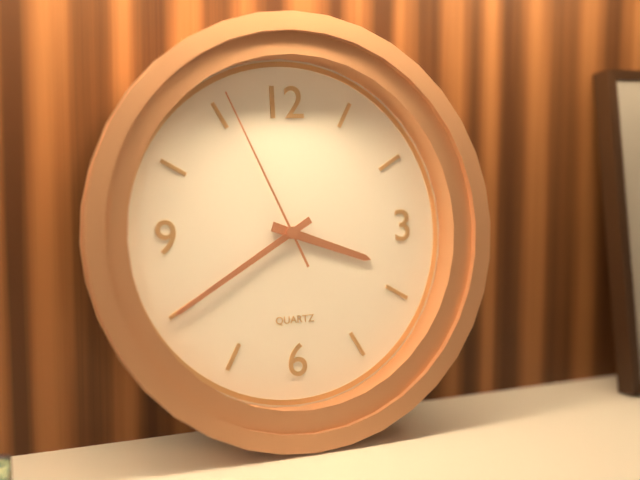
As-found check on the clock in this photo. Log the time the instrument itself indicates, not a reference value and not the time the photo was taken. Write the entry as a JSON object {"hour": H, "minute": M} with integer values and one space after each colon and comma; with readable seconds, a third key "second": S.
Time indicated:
{"hour": 3, "minute": 40, "second": 56}
